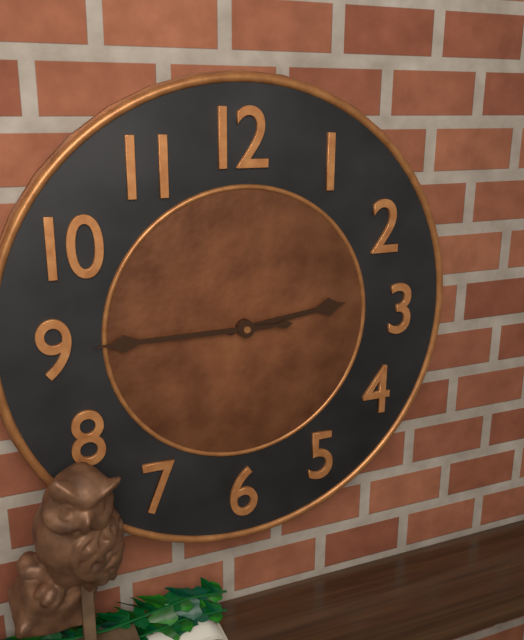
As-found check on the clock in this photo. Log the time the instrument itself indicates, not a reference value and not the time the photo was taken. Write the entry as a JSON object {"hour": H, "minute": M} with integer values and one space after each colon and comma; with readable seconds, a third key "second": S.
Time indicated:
{"hour": 2, "minute": 45}
